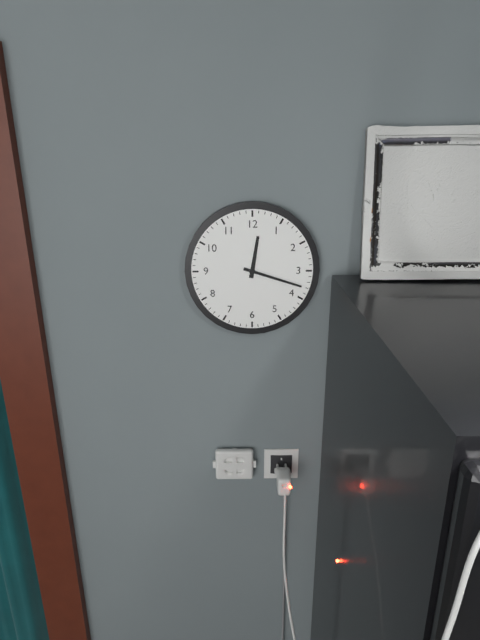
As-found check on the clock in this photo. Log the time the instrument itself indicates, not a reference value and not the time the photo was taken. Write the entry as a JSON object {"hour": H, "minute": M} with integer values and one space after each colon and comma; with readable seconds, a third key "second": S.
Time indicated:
{"hour": 12, "minute": 18}
